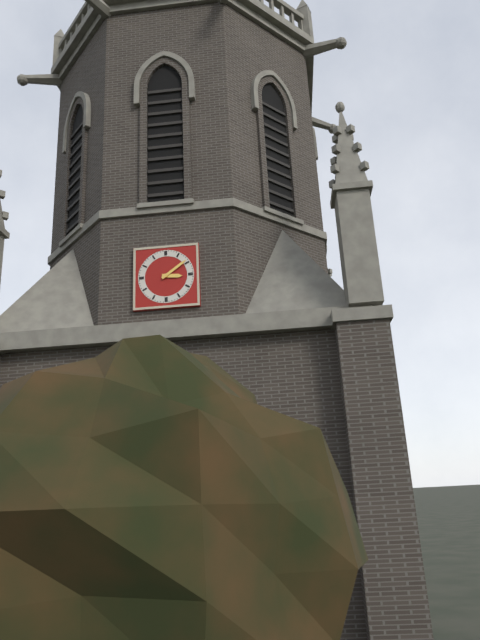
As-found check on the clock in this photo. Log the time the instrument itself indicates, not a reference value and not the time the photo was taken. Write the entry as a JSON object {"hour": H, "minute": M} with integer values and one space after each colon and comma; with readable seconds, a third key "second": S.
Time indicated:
{"hour": 3, "minute": 9}
